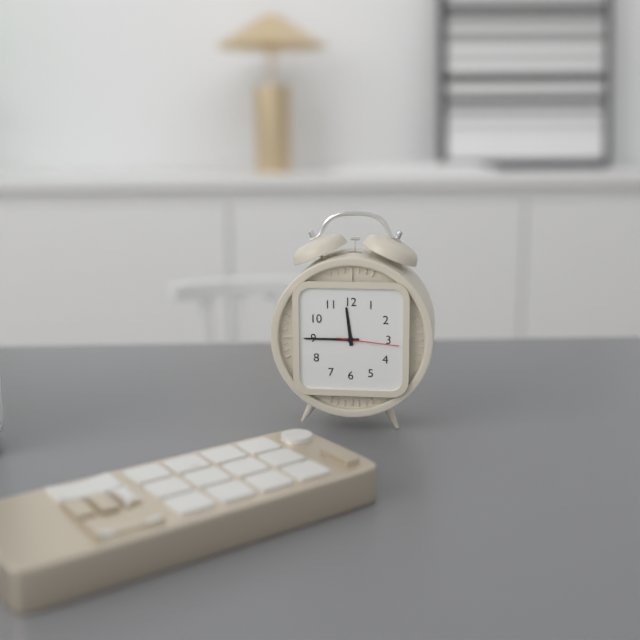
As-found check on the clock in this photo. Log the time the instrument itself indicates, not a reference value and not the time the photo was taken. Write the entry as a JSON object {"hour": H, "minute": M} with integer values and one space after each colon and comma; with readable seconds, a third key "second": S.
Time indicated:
{"hour": 11, "minute": 45, "second": 16}
